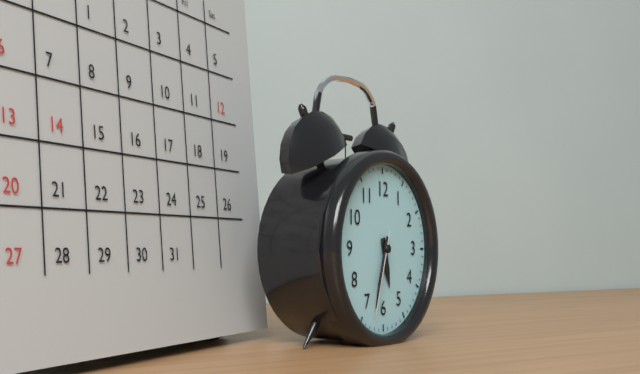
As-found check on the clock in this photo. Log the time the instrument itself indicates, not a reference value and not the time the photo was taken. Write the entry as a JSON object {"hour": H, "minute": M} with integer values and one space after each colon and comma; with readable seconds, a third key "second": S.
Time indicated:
{"hour": 5, "minute": 33, "second": 33}
